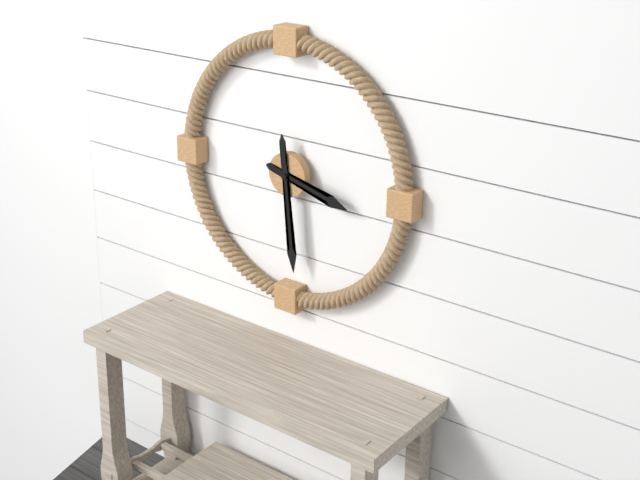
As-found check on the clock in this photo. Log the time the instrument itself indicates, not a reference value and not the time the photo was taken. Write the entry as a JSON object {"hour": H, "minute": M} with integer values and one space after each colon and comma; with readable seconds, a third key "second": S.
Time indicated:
{"hour": 3, "minute": 29}
